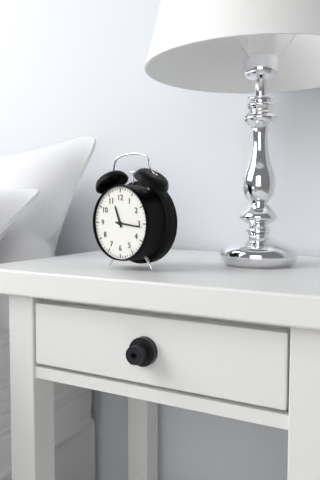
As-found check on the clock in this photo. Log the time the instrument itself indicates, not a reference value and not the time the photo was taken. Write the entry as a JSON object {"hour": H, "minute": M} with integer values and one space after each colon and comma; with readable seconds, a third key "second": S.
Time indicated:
{"hour": 11, "minute": 16}
